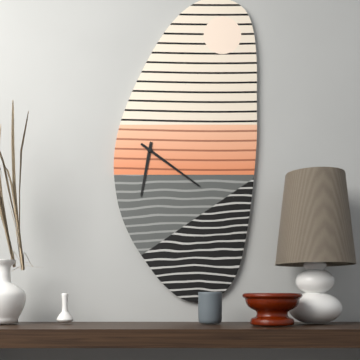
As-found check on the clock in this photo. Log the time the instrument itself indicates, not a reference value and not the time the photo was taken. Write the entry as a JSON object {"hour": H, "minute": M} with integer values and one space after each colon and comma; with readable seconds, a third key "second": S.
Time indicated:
{"hour": 6, "minute": 21}
